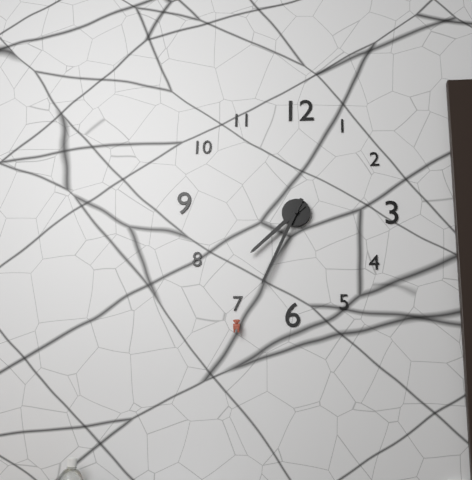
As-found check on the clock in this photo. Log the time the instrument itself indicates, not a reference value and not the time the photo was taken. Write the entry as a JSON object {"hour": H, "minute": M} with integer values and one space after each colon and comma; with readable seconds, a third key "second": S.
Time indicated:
{"hour": 7, "minute": 34}
